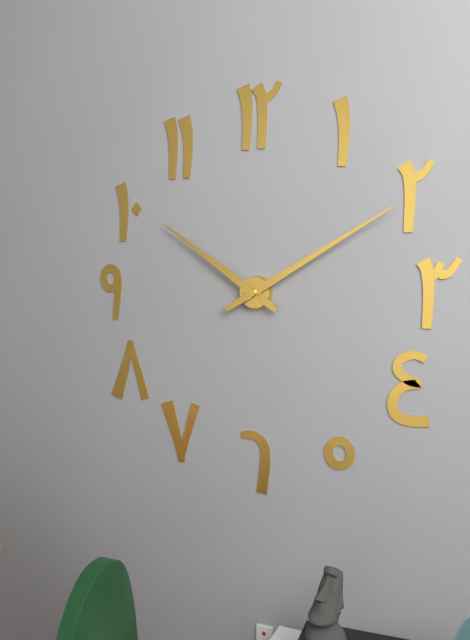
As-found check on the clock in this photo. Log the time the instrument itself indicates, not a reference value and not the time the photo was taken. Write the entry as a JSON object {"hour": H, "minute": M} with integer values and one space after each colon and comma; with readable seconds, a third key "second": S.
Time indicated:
{"hour": 10, "minute": 10}
